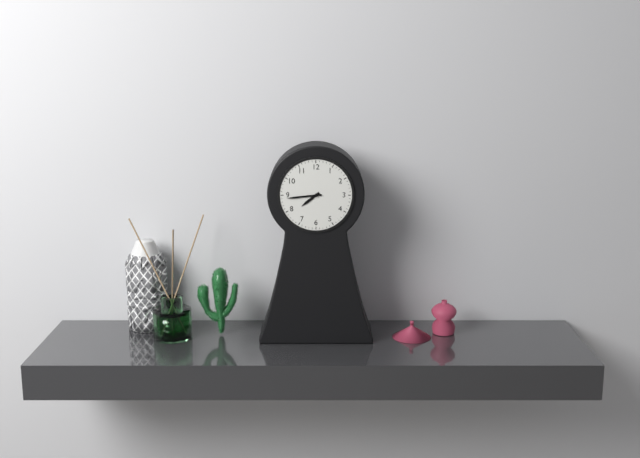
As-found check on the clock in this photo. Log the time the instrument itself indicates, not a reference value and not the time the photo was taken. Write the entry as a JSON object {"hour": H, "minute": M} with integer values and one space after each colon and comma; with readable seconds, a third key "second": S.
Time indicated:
{"hour": 7, "minute": 44}
